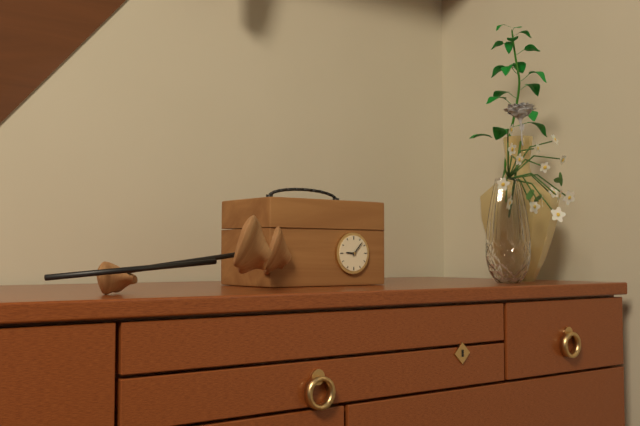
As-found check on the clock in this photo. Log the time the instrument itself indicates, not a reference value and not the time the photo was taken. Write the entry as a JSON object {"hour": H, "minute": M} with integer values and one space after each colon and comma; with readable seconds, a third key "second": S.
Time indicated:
{"hour": 9, "minute": 7}
